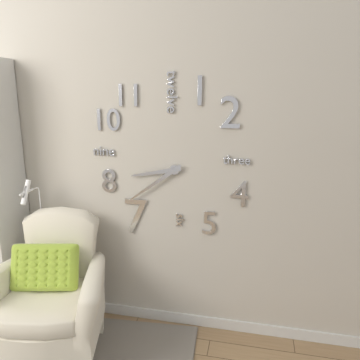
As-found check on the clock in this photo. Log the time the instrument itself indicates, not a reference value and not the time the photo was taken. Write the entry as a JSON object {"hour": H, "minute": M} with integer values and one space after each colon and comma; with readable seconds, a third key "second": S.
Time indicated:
{"hour": 8, "minute": 39}
